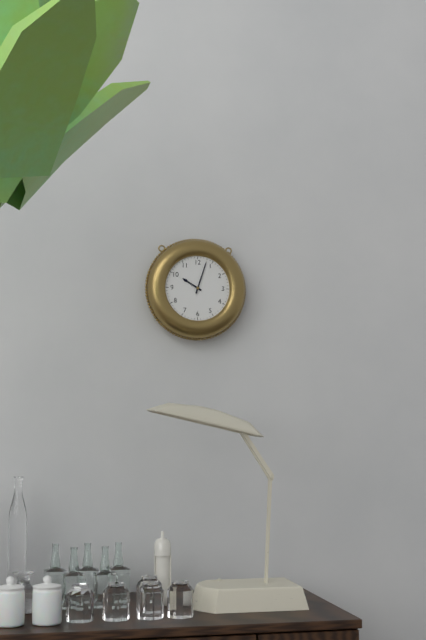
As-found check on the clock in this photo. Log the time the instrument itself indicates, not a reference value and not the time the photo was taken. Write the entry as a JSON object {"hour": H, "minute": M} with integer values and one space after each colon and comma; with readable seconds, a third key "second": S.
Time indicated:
{"hour": 10, "minute": 3}
